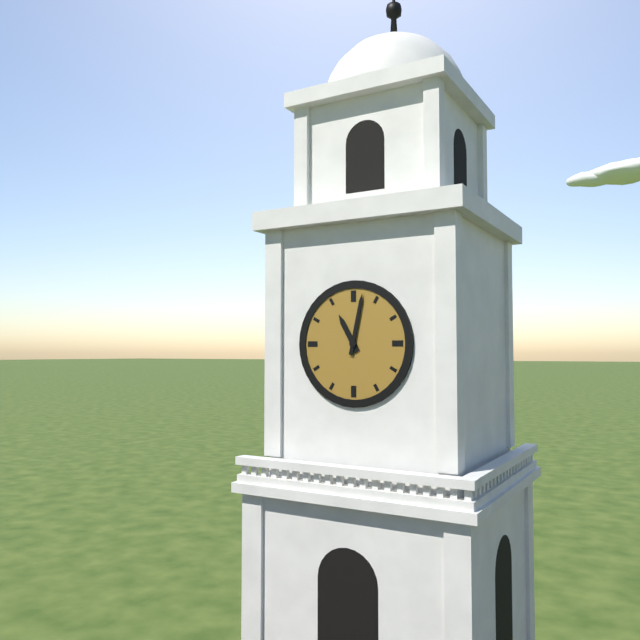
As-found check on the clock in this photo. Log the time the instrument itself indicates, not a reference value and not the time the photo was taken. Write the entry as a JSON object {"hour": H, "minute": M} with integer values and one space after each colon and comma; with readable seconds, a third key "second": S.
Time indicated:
{"hour": 11, "minute": 2}
